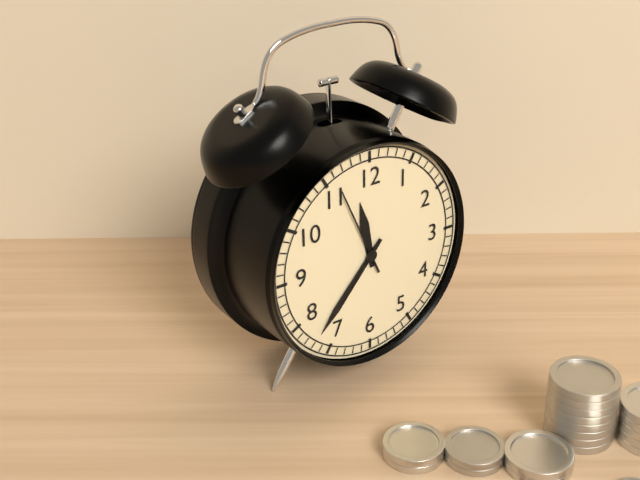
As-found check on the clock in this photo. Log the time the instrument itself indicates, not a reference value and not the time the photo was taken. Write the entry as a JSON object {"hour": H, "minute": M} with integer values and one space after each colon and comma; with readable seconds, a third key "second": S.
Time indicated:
{"hour": 11, "minute": 37, "second": 56}
